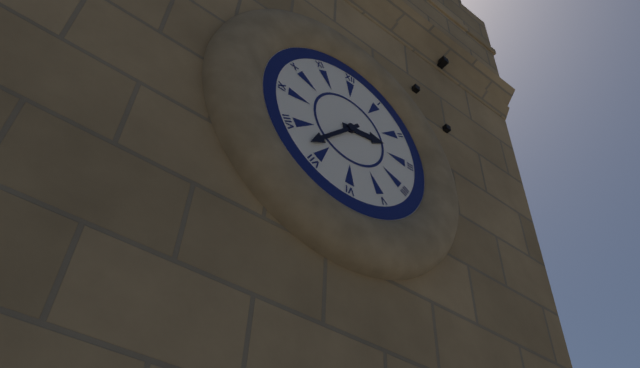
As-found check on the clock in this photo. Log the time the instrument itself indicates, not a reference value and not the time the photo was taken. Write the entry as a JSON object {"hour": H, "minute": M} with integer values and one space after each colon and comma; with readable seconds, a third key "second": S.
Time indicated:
{"hour": 2, "minute": 37}
